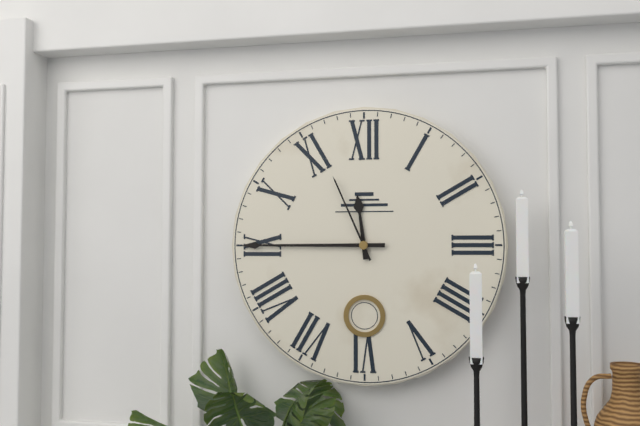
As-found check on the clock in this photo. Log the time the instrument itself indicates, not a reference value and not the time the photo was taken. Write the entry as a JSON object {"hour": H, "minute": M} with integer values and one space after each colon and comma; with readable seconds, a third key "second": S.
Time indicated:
{"hour": 11, "minute": 45, "second": 56}
